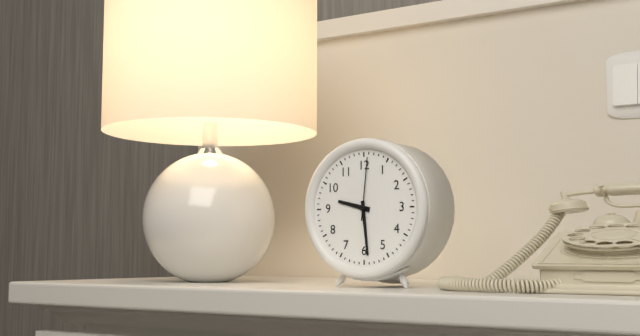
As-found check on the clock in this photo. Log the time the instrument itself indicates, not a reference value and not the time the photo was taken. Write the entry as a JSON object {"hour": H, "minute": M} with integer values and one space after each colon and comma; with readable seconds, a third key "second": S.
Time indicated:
{"hour": 9, "minute": 29, "second": 1}
